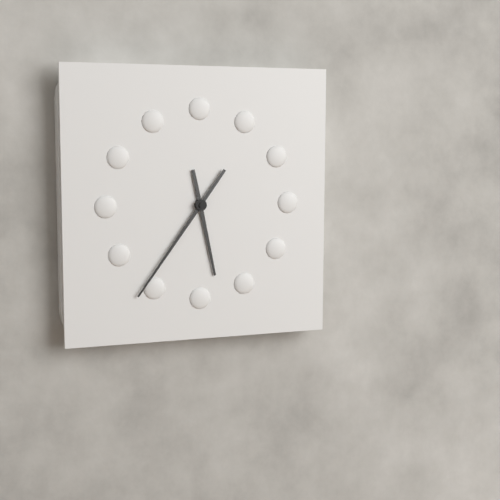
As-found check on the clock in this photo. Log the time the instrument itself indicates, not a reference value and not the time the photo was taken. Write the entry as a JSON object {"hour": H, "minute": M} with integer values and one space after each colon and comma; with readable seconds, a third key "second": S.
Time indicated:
{"hour": 5, "minute": 36}
